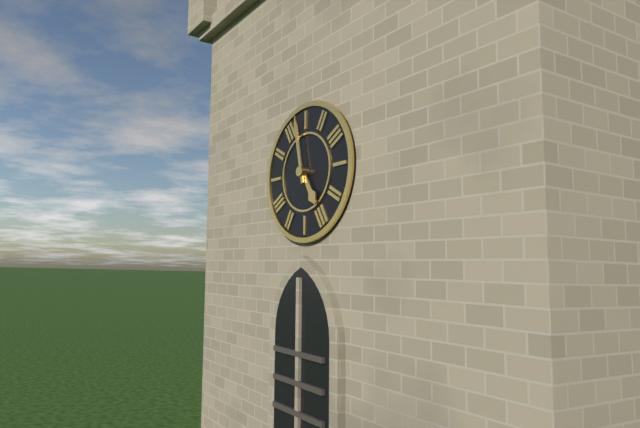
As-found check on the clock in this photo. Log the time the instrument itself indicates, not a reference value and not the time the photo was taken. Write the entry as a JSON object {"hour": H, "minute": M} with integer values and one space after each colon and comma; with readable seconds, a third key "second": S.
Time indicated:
{"hour": 4, "minute": 58}
